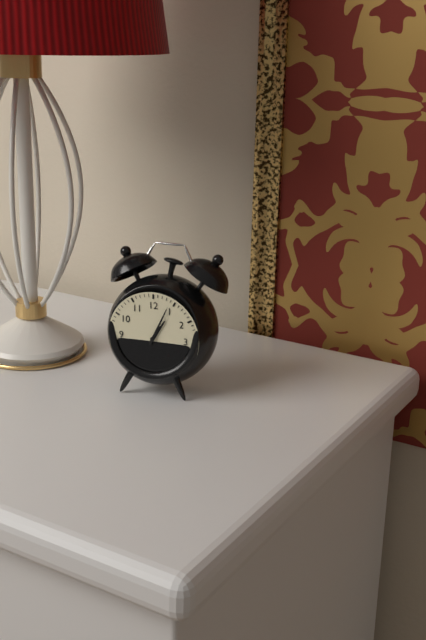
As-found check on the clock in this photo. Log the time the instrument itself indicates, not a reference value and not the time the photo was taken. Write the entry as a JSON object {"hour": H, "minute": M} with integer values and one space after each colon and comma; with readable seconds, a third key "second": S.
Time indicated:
{"hour": 1, "minute": 4}
